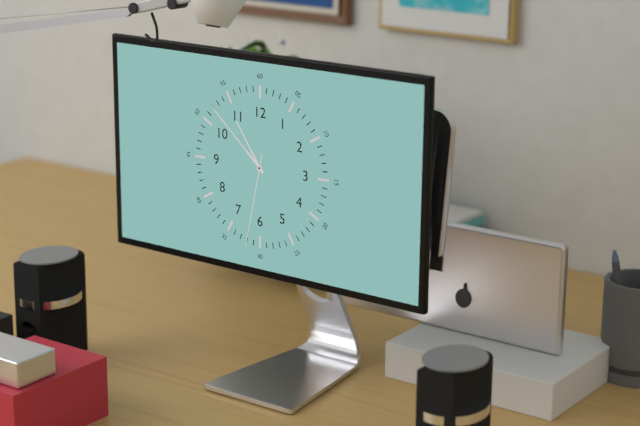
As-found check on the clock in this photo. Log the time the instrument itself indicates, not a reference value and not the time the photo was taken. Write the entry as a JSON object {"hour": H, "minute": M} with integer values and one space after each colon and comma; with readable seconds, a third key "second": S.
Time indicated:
{"hour": 10, "minute": 52, "second": 32}
